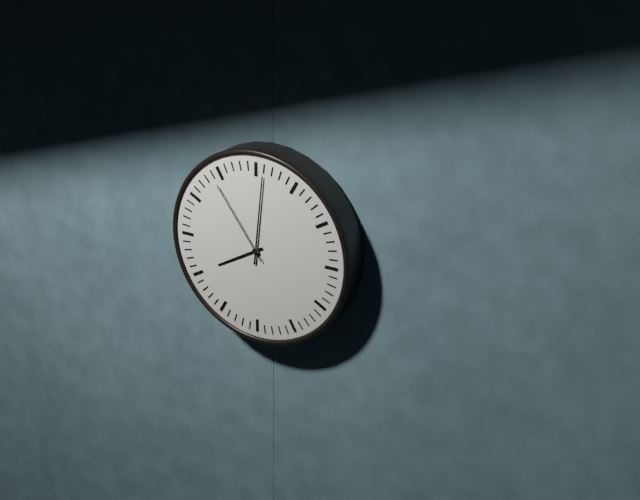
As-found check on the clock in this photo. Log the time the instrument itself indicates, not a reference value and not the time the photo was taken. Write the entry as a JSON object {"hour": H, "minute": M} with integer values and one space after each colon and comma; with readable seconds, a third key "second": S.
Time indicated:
{"hour": 8, "minute": 1, "second": 54}
